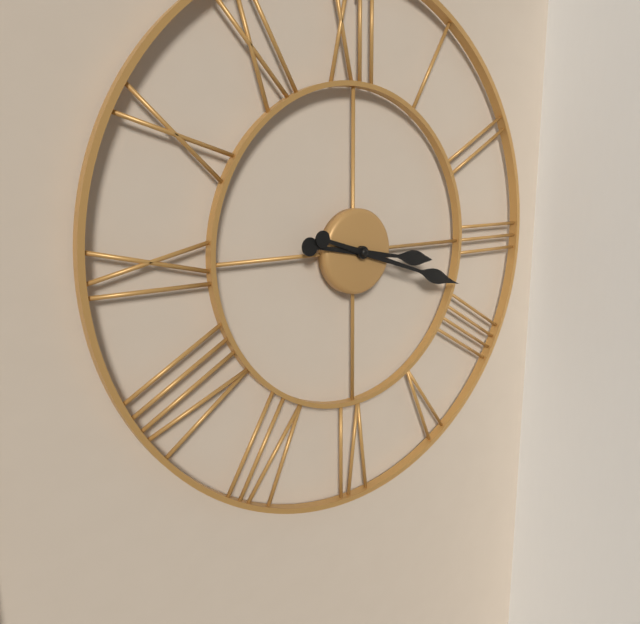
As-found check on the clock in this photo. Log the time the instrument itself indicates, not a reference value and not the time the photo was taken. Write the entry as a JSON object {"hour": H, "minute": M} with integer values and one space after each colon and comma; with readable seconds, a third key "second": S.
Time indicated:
{"hour": 3, "minute": 18}
